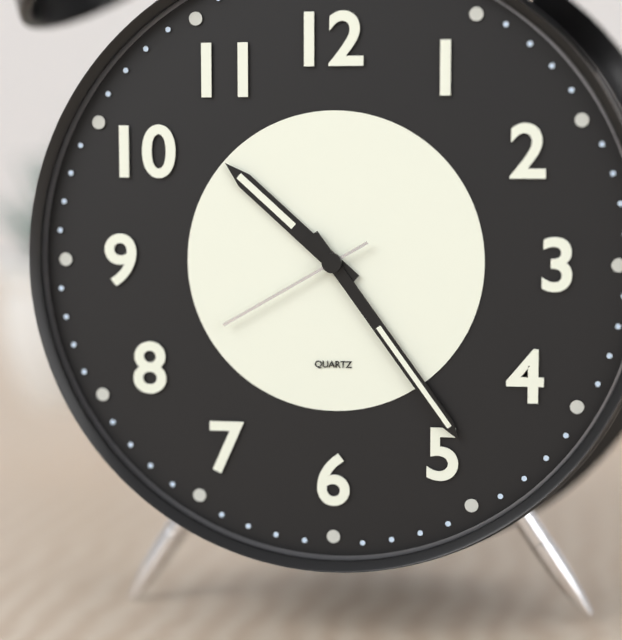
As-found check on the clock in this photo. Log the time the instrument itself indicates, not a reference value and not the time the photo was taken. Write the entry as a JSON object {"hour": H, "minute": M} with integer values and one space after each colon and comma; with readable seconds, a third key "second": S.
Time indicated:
{"hour": 10, "minute": 24, "second": 40}
